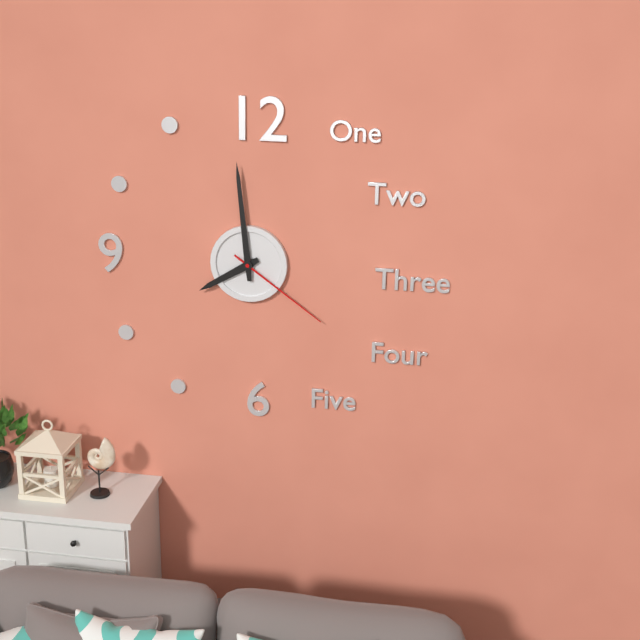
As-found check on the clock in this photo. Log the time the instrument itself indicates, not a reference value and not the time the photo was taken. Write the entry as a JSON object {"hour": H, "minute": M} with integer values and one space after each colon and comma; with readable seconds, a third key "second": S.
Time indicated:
{"hour": 7, "minute": 59, "second": 21}
